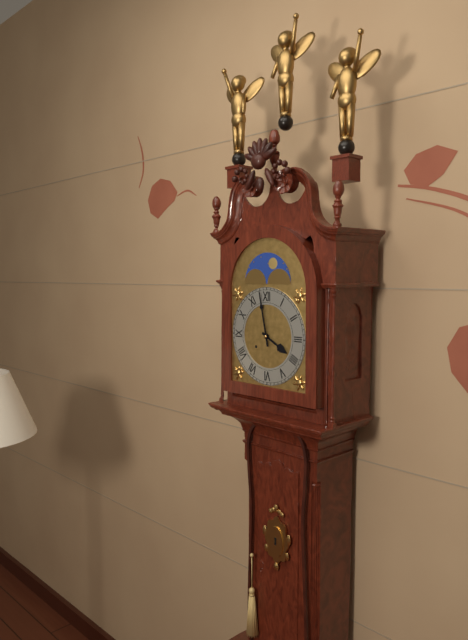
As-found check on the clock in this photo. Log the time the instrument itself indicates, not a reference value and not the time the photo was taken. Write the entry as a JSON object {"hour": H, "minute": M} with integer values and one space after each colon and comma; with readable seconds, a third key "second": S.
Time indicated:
{"hour": 3, "minute": 58}
